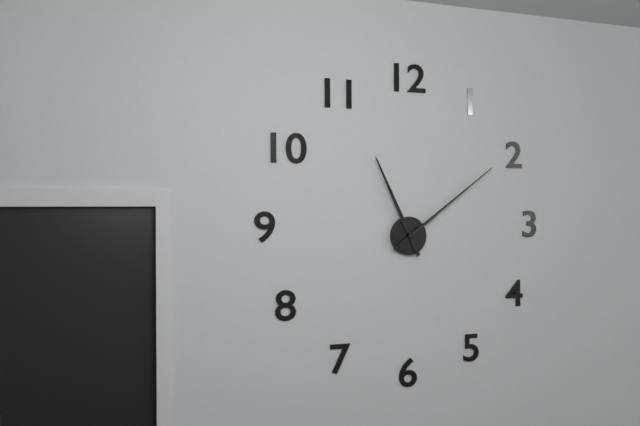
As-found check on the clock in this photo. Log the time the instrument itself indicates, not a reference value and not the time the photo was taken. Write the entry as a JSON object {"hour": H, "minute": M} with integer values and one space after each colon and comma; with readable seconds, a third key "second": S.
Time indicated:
{"hour": 11, "minute": 9}
